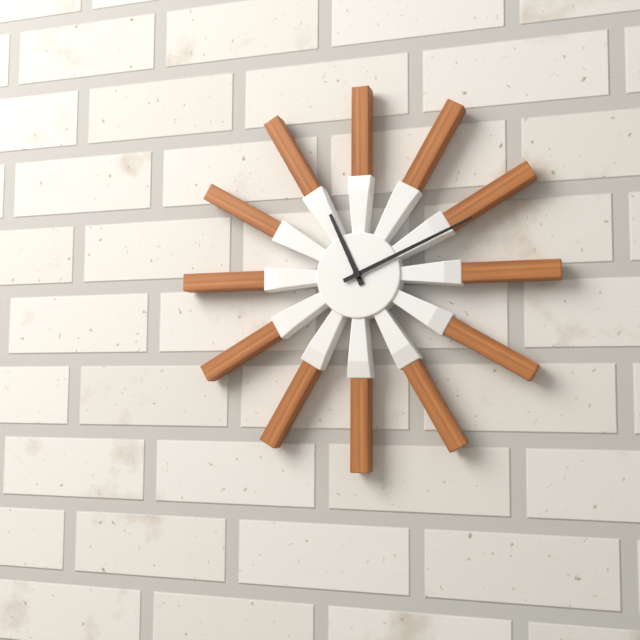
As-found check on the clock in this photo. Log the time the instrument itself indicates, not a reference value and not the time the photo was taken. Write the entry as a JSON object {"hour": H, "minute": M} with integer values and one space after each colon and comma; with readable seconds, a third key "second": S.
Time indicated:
{"hour": 11, "minute": 11}
